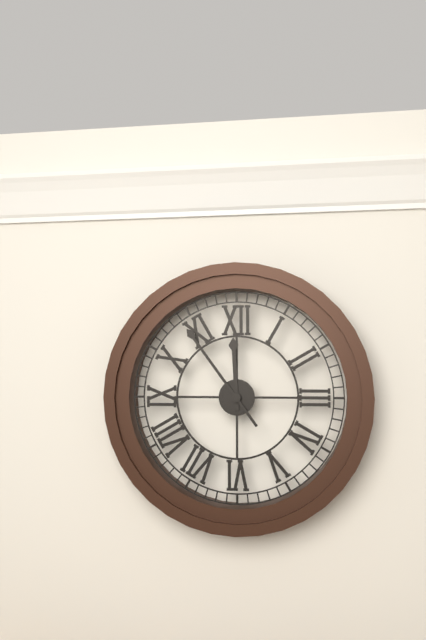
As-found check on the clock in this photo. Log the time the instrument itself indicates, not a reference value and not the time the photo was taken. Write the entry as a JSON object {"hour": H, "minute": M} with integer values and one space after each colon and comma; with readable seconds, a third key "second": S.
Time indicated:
{"hour": 11, "minute": 54}
